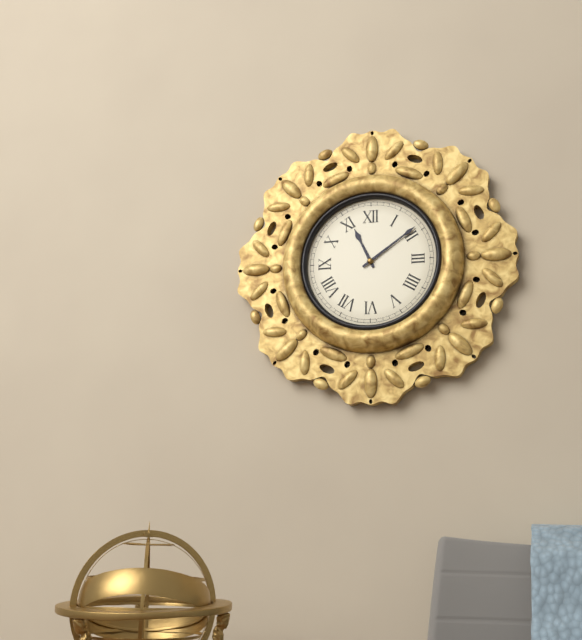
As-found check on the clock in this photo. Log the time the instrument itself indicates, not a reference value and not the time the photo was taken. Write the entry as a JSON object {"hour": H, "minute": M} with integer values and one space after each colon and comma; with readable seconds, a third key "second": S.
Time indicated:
{"hour": 11, "minute": 9}
